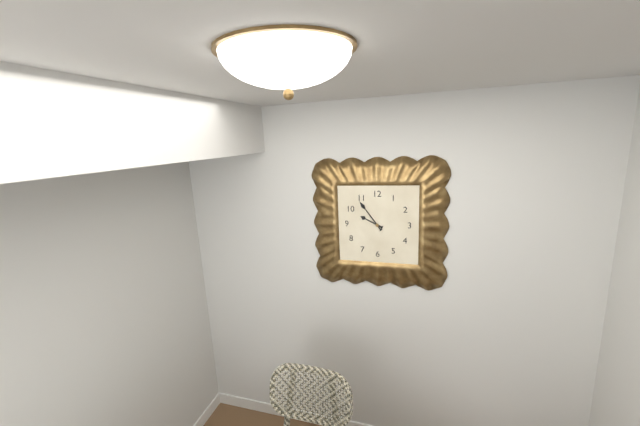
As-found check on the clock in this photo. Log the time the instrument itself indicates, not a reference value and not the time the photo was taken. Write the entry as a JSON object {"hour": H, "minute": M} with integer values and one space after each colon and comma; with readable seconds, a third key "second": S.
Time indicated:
{"hour": 9, "minute": 54}
